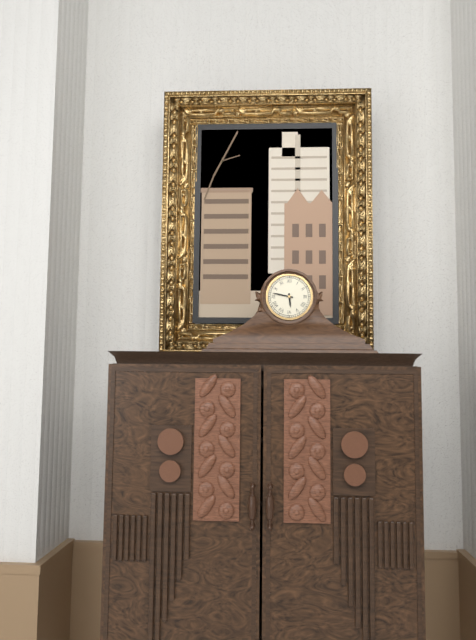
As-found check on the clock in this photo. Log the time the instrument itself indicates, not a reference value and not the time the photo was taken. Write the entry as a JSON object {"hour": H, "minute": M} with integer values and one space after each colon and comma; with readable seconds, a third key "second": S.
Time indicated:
{"hour": 5, "minute": 47}
